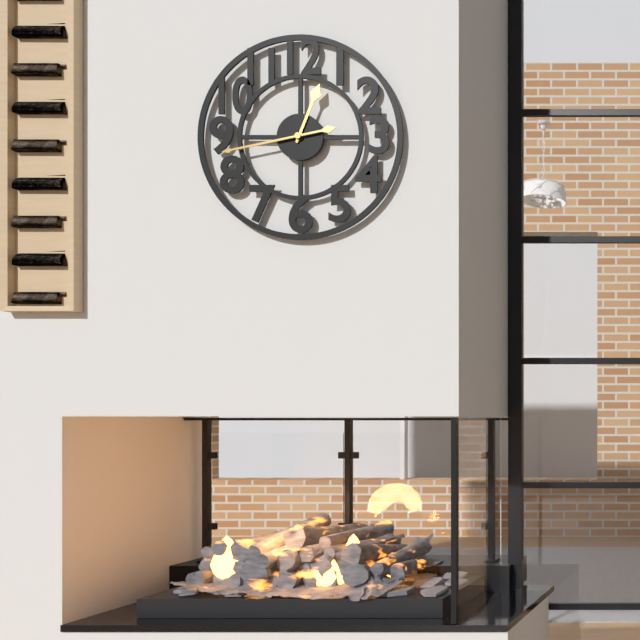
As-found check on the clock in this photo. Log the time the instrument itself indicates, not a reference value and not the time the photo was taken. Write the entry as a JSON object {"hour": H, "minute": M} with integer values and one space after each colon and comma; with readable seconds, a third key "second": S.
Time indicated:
{"hour": 12, "minute": 43}
